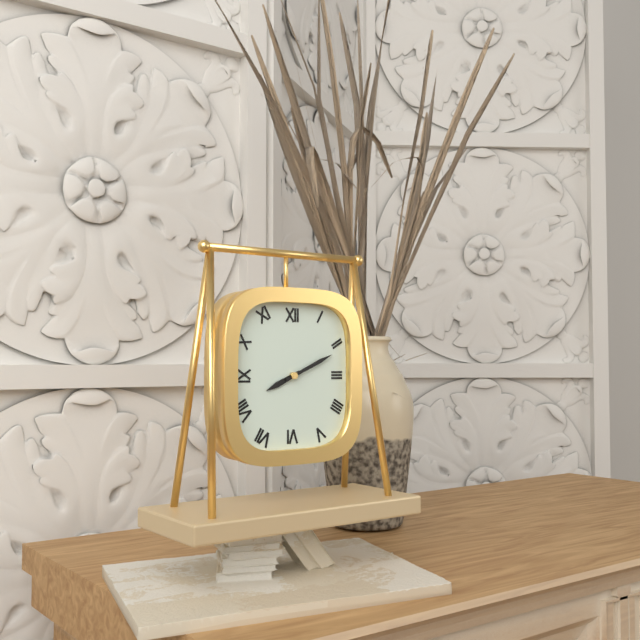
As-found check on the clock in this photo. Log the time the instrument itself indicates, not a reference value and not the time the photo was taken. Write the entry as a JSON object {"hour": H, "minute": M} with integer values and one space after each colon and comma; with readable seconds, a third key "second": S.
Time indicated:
{"hour": 8, "minute": 11}
